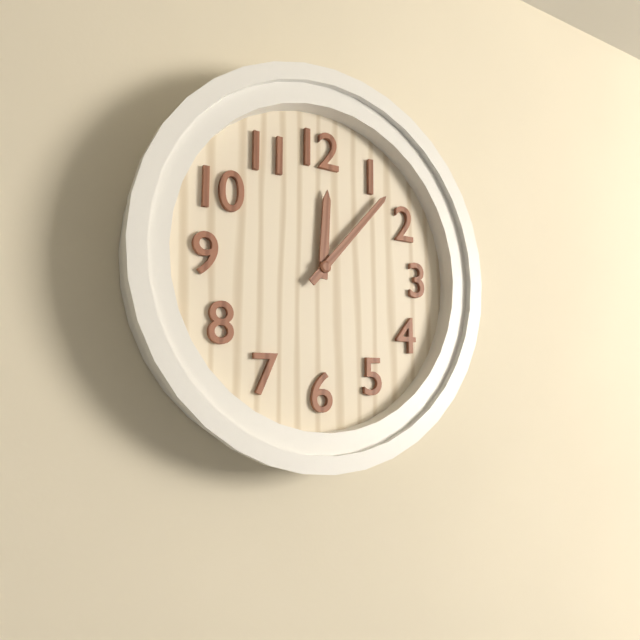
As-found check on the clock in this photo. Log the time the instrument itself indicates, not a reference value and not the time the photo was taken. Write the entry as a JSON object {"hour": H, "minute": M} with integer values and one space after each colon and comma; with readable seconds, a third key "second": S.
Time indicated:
{"hour": 12, "minute": 7}
